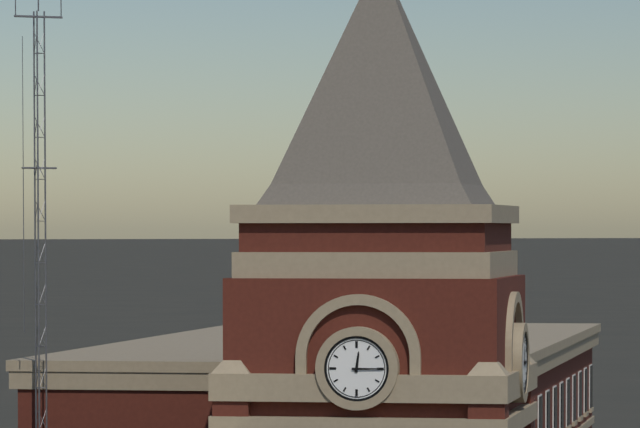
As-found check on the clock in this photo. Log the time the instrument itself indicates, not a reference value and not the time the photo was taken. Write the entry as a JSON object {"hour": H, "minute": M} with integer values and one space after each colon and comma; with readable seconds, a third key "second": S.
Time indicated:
{"hour": 12, "minute": 15}
